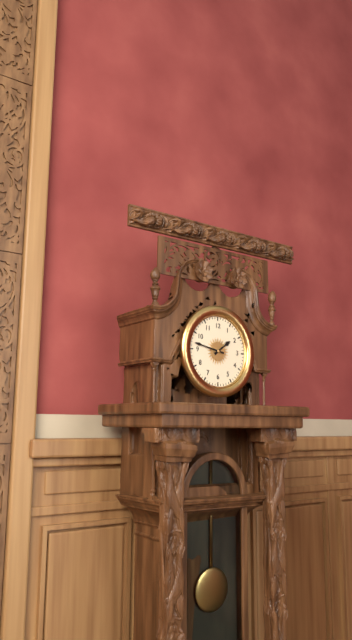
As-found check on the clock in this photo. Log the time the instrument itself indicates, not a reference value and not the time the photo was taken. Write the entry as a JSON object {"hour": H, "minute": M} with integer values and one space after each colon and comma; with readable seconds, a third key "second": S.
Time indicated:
{"hour": 1, "minute": 47}
